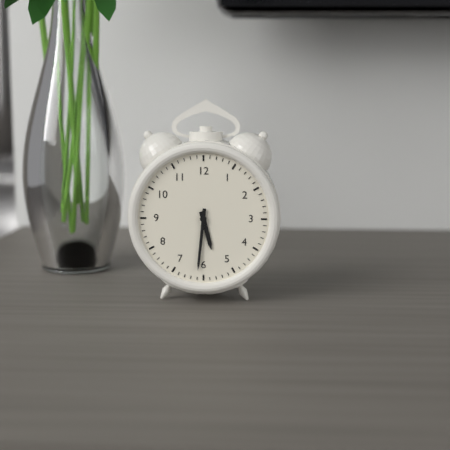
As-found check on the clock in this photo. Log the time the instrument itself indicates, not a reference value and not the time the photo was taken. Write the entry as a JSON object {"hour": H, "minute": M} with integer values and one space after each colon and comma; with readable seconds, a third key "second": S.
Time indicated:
{"hour": 5, "minute": 31}
